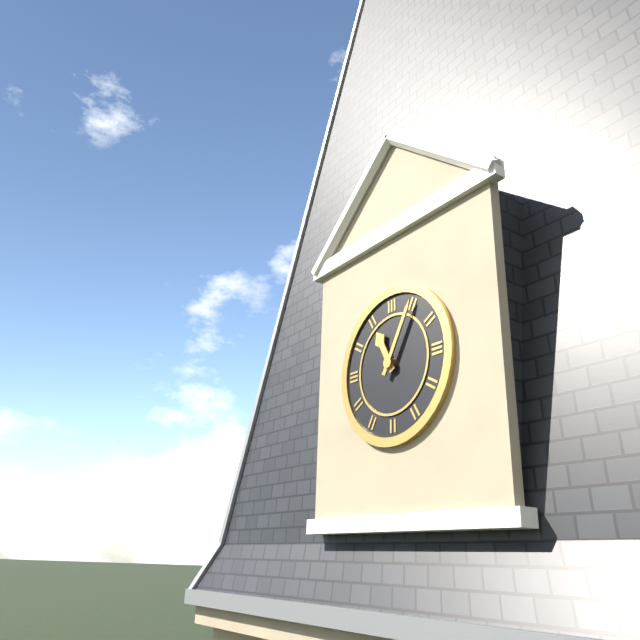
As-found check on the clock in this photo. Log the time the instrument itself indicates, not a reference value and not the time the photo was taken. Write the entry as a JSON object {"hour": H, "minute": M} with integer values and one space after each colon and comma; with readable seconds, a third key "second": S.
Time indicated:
{"hour": 11, "minute": 5}
